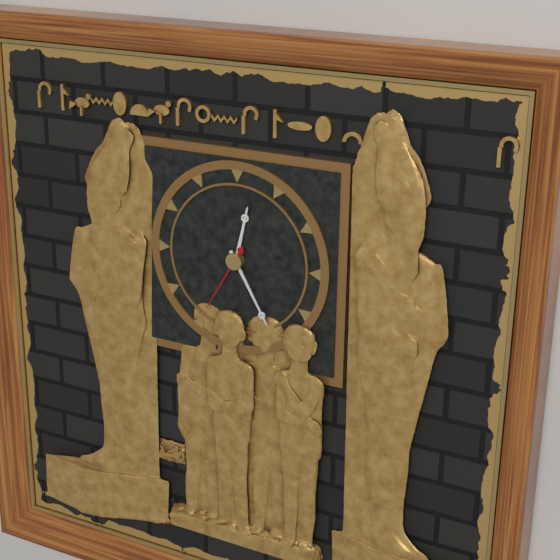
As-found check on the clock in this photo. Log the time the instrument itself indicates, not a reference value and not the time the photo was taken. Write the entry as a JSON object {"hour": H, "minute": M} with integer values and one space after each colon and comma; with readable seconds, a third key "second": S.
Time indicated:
{"hour": 12, "minute": 25, "second": 35}
